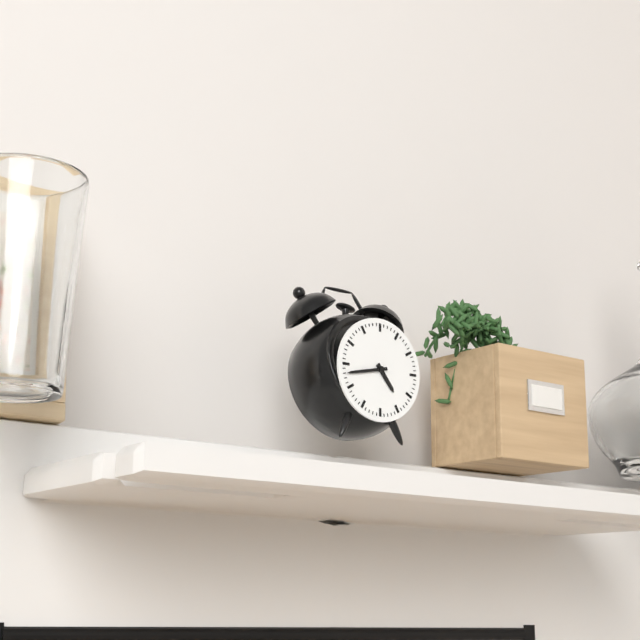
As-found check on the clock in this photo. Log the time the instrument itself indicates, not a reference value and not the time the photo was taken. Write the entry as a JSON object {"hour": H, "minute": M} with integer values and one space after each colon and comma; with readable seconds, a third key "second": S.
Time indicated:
{"hour": 4, "minute": 43}
